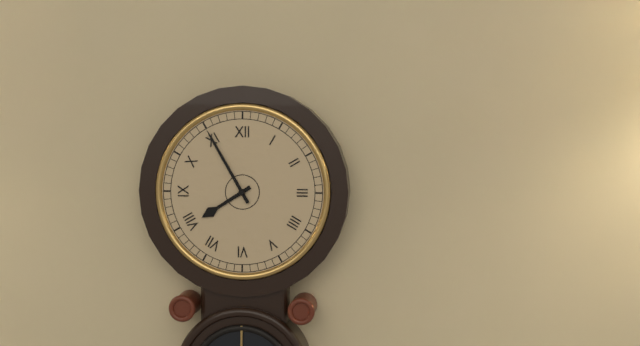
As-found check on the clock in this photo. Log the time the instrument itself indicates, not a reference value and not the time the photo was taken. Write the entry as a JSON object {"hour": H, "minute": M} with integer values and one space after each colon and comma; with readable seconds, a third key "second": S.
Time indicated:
{"hour": 7, "minute": 55}
